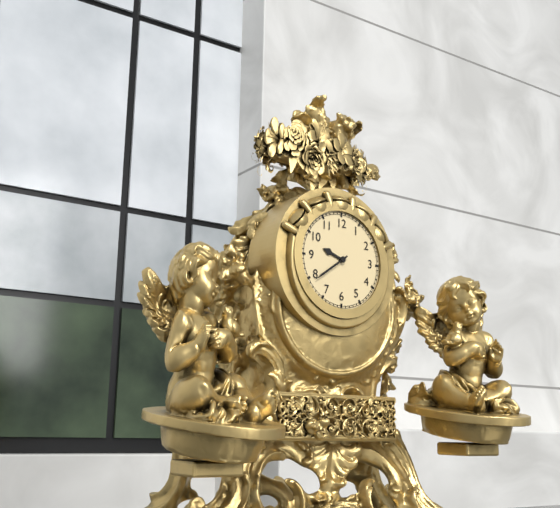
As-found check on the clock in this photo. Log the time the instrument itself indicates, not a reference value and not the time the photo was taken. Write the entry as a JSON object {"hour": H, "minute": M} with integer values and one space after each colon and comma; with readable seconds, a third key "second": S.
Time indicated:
{"hour": 9, "minute": 39}
